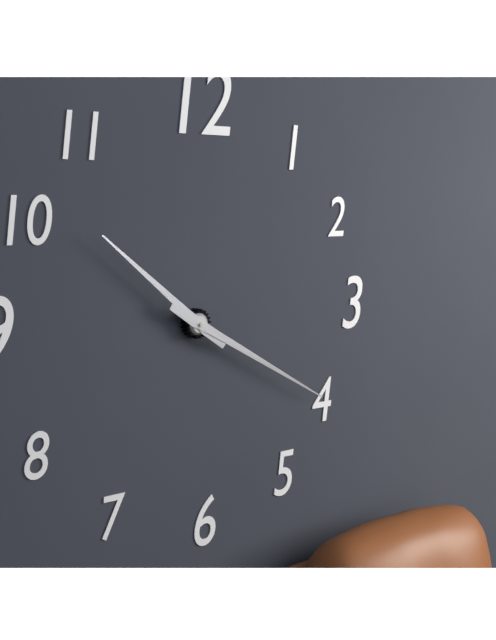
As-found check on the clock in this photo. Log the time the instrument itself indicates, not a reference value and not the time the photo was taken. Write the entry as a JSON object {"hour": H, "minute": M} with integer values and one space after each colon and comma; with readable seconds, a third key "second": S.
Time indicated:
{"hour": 10, "minute": 20}
